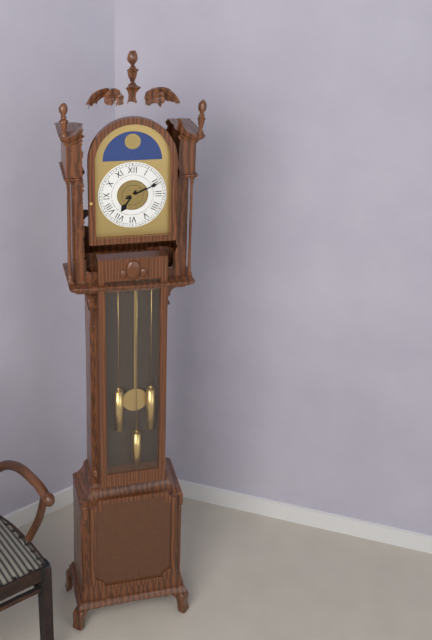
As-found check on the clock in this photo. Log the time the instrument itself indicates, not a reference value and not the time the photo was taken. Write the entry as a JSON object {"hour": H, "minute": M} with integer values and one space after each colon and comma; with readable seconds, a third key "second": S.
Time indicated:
{"hour": 7, "minute": 11}
